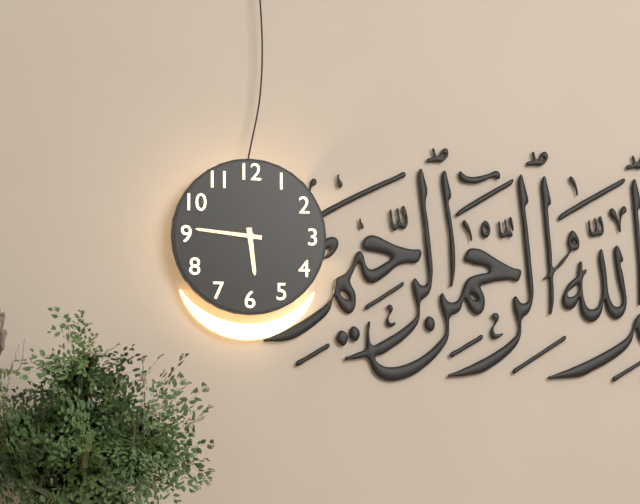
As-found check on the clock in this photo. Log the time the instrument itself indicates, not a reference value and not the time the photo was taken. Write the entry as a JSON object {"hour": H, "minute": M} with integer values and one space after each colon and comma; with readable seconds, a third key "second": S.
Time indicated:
{"hour": 5, "minute": 46}
